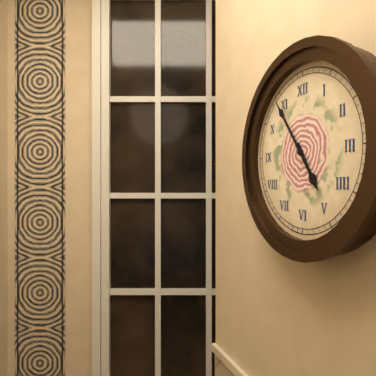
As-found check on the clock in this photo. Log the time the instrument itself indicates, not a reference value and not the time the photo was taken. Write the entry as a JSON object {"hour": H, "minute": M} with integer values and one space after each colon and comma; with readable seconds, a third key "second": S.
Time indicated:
{"hour": 4, "minute": 54}
